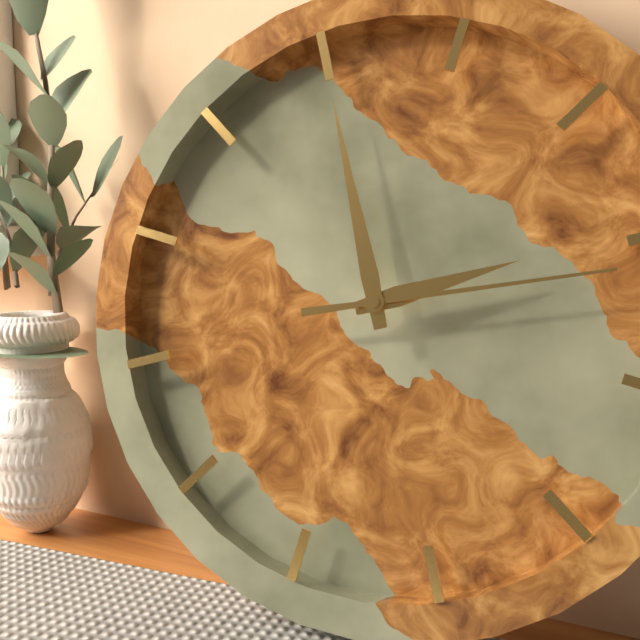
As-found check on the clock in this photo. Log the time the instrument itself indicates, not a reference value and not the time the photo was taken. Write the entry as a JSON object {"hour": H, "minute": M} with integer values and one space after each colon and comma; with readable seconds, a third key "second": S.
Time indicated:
{"hour": 1, "minute": 55, "second": 11}
